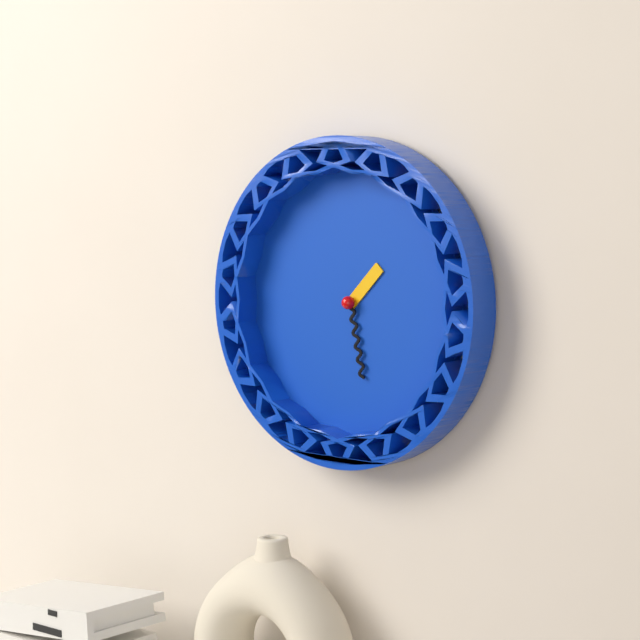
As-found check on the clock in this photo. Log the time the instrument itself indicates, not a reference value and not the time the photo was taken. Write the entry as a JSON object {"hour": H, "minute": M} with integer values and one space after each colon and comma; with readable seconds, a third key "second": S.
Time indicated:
{"hour": 1, "minute": 28}
